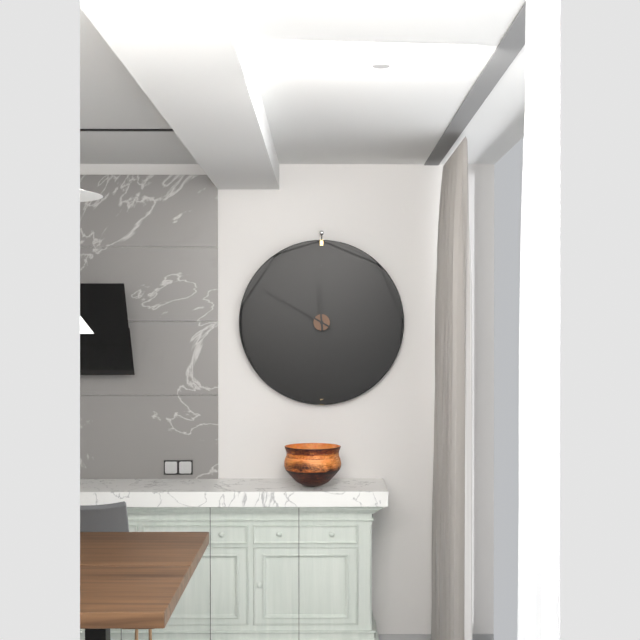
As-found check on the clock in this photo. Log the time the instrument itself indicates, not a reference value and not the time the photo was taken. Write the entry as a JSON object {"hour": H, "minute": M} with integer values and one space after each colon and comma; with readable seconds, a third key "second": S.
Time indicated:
{"hour": 11, "minute": 50}
